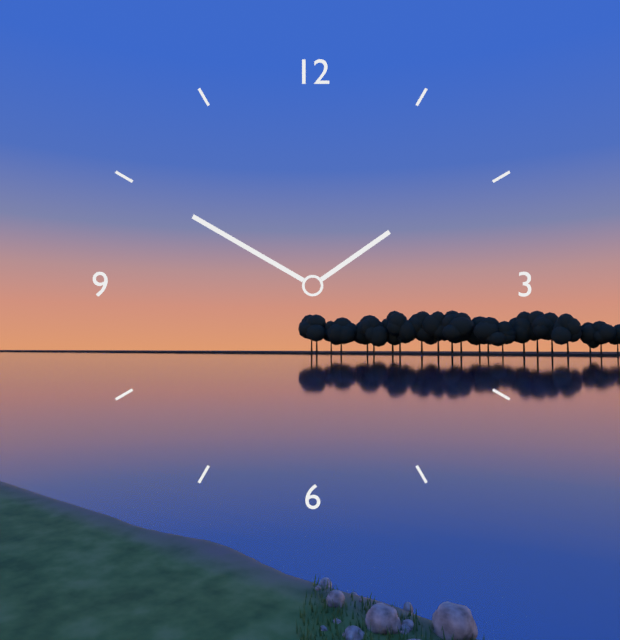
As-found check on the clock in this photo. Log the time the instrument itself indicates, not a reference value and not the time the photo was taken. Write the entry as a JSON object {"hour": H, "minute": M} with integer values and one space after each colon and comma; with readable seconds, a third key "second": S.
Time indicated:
{"hour": 1, "minute": 50}
